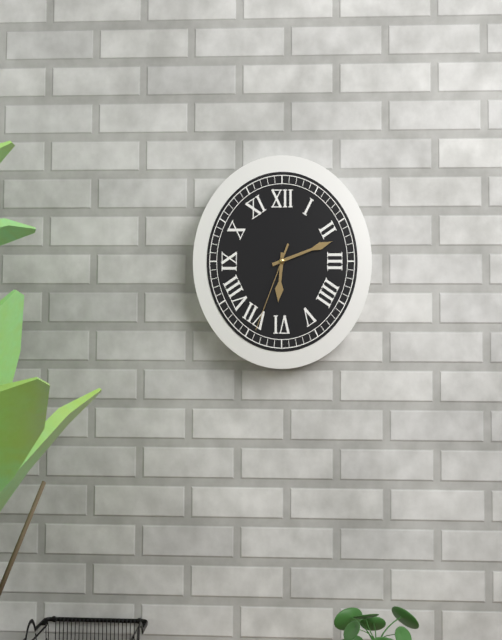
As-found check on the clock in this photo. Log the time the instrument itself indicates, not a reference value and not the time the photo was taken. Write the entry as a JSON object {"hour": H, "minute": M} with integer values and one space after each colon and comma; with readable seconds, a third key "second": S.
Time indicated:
{"hour": 6, "minute": 12, "second": 34}
